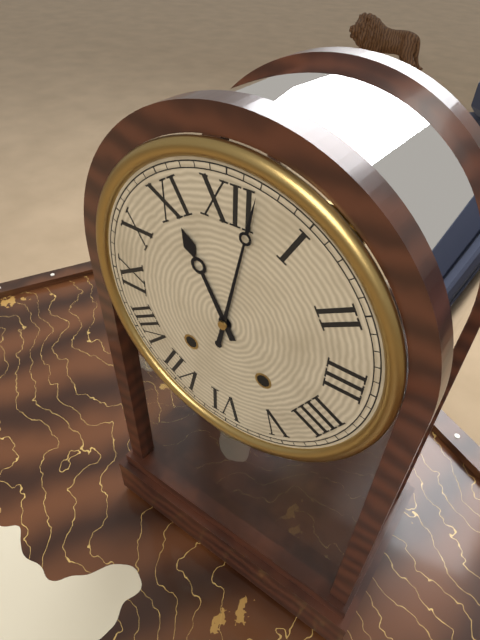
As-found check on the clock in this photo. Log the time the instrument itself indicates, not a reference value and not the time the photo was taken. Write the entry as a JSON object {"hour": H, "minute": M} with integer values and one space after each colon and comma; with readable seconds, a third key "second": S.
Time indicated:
{"hour": 11, "minute": 2}
